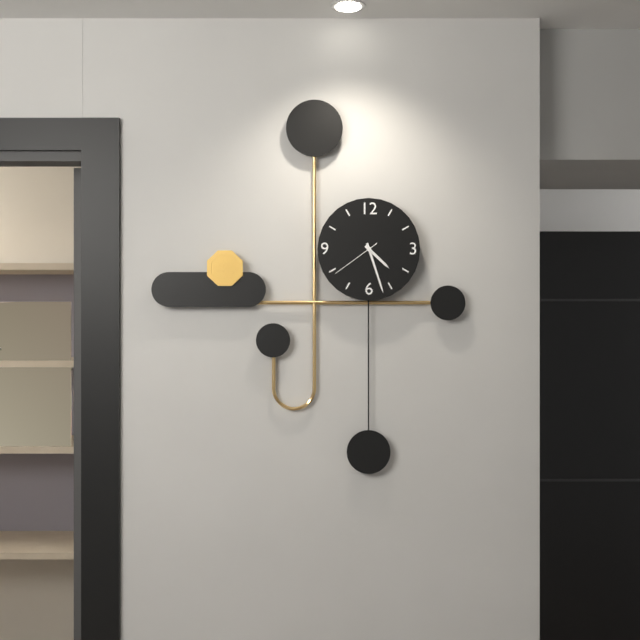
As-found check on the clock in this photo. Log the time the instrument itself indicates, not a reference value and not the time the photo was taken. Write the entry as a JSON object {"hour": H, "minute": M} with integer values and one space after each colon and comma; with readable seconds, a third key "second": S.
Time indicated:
{"hour": 4, "minute": 27, "second": 39}
